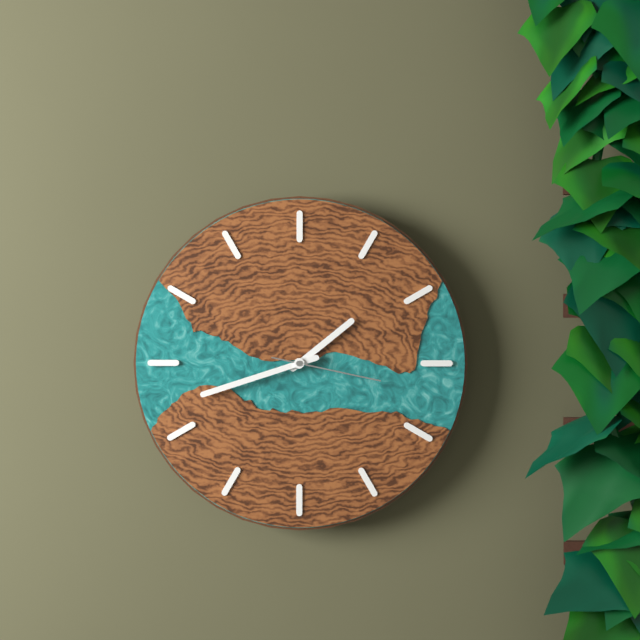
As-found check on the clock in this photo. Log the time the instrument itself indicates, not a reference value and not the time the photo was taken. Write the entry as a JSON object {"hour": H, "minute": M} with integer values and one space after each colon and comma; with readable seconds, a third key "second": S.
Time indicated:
{"hour": 1, "minute": 42, "second": 17}
